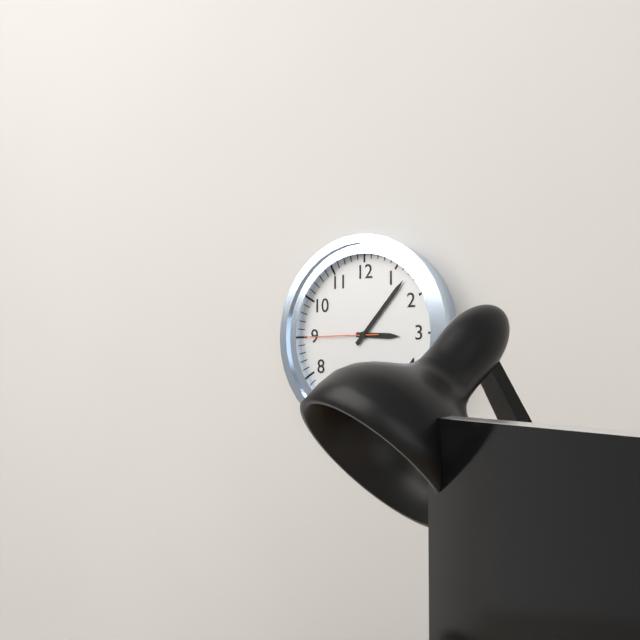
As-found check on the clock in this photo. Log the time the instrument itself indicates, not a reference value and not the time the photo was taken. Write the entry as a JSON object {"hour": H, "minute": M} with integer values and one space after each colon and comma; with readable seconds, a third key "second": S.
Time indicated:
{"hour": 3, "minute": 7, "second": 45}
